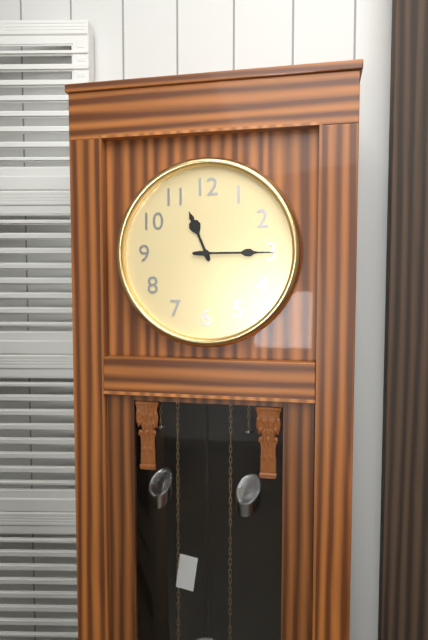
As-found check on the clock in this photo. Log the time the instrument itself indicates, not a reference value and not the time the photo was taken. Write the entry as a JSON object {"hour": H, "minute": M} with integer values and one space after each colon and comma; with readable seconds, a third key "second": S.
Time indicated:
{"hour": 11, "minute": 15}
